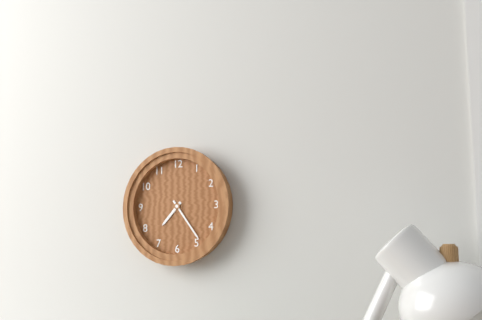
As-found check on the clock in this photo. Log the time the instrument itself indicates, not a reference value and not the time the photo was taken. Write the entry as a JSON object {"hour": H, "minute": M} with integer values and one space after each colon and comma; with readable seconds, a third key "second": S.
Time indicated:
{"hour": 7, "minute": 24}
